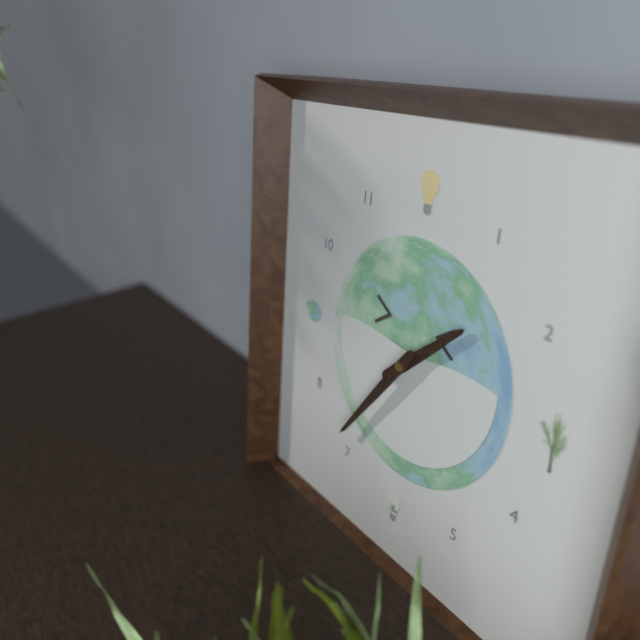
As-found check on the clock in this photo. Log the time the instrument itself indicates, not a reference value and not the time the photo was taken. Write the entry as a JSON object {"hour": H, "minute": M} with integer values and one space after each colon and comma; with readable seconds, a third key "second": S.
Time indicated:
{"hour": 1, "minute": 36}
